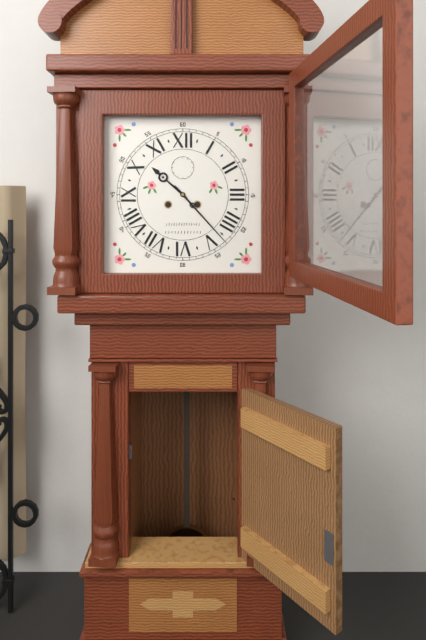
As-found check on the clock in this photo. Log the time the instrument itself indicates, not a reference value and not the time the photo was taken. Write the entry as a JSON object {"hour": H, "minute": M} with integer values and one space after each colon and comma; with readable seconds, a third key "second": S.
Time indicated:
{"hour": 10, "minute": 23}
